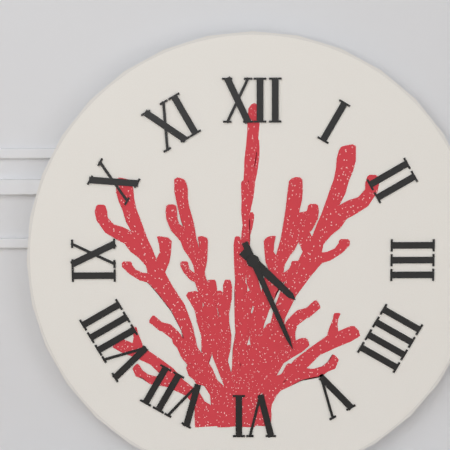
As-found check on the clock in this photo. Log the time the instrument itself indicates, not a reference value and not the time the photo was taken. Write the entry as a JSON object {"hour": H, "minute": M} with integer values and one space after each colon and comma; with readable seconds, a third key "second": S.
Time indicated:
{"hour": 4, "minute": 26}
